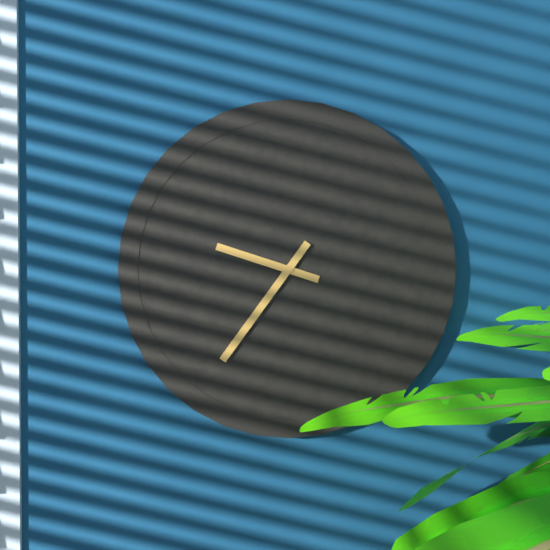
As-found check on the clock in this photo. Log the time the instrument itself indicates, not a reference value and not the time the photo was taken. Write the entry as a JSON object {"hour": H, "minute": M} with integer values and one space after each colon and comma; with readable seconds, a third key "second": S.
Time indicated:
{"hour": 9, "minute": 36}
